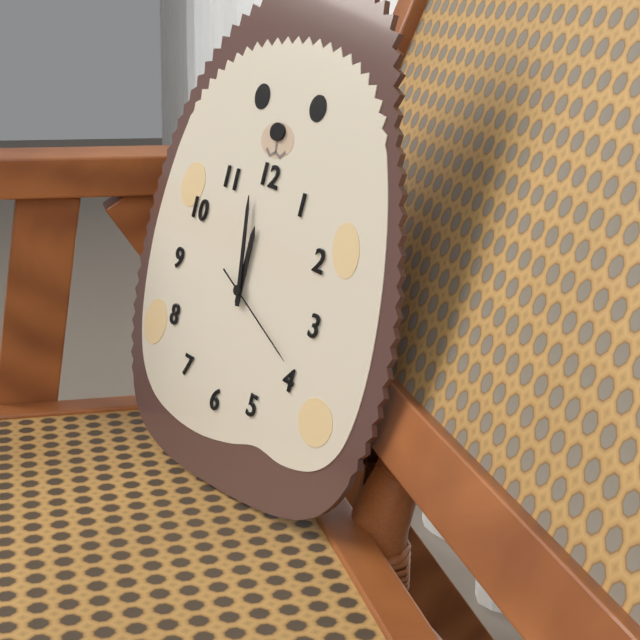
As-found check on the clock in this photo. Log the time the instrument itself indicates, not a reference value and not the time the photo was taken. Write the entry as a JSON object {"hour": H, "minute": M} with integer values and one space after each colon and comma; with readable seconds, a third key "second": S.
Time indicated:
{"hour": 11, "minute": 58, "second": 19}
